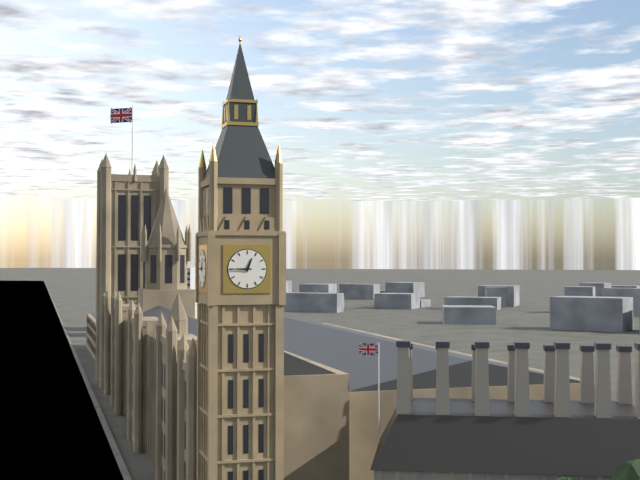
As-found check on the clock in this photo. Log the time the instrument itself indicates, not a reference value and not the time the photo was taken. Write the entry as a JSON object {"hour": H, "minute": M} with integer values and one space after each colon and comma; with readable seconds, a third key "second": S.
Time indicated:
{"hour": 12, "minute": 45}
